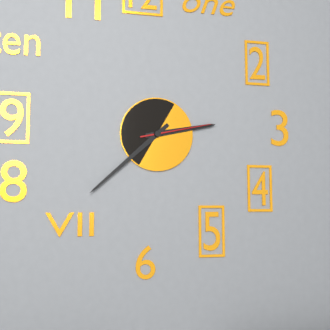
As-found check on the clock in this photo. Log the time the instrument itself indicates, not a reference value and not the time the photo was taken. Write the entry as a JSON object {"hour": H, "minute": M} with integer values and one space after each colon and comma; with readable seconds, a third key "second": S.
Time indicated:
{"hour": 2, "minute": 38, "second": 13}
